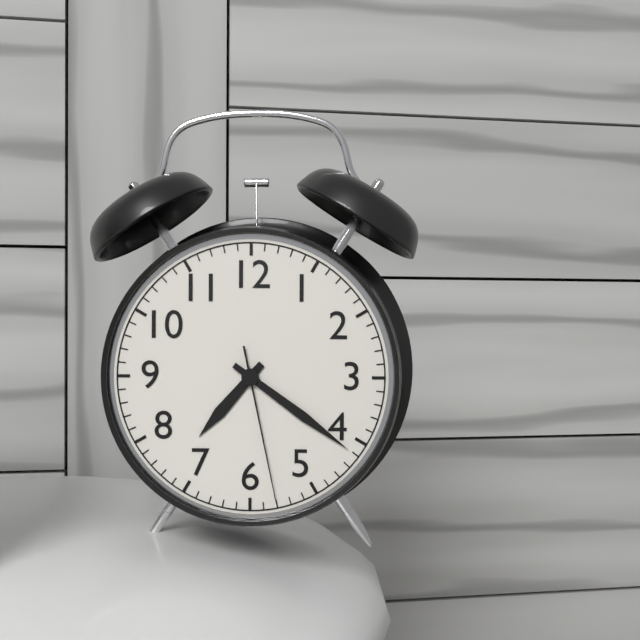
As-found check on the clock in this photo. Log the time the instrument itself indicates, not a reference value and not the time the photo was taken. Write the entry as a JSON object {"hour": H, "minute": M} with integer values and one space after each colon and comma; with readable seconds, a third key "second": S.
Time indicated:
{"hour": 7, "minute": 21, "second": 28}
